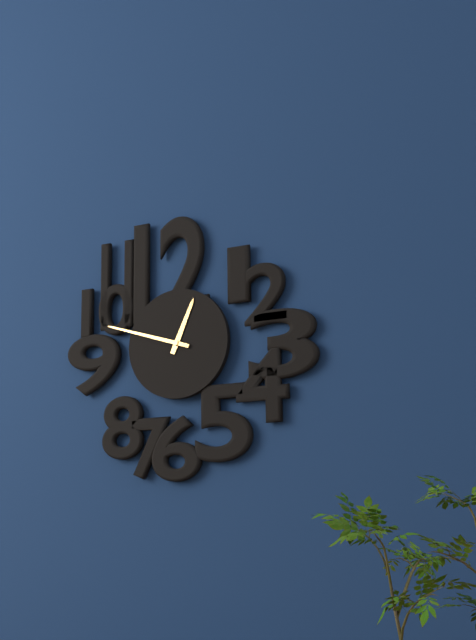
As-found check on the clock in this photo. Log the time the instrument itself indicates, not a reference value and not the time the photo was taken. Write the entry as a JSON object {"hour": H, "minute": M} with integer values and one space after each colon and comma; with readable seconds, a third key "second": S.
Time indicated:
{"hour": 12, "minute": 48}
